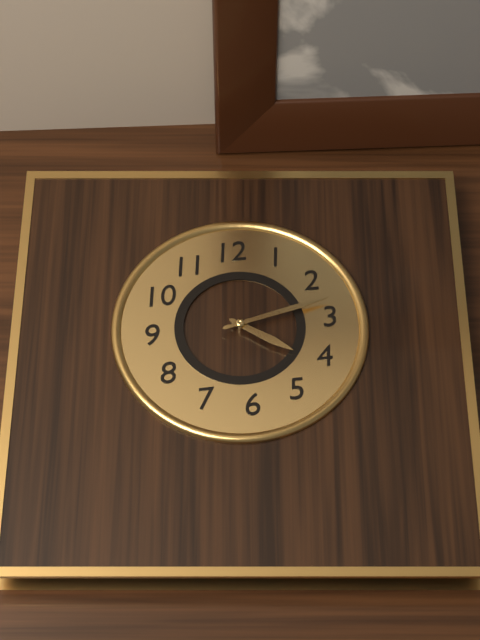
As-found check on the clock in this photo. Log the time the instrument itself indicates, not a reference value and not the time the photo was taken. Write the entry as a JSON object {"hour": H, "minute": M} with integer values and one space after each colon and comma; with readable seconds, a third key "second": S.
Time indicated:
{"hour": 4, "minute": 13}
